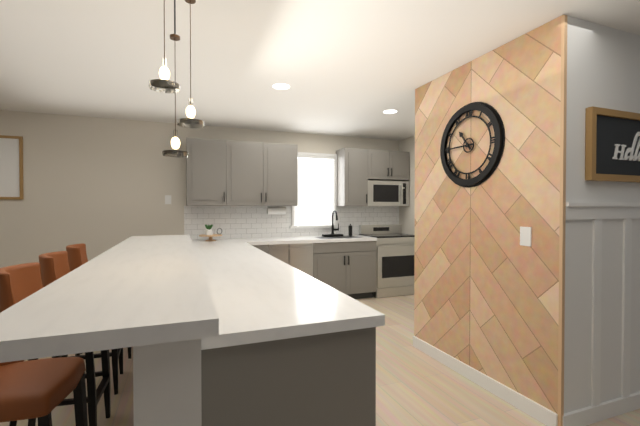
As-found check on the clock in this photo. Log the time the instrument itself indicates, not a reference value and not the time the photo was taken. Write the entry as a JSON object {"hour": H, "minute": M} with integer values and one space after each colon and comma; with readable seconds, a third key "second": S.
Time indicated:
{"hour": 10, "minute": 45}
